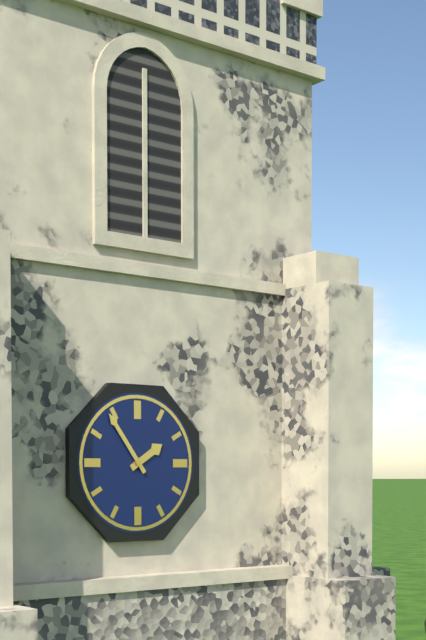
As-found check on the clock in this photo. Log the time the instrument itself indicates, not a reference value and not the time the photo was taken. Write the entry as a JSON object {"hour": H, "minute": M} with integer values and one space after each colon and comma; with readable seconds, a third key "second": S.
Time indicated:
{"hour": 1, "minute": 54}
